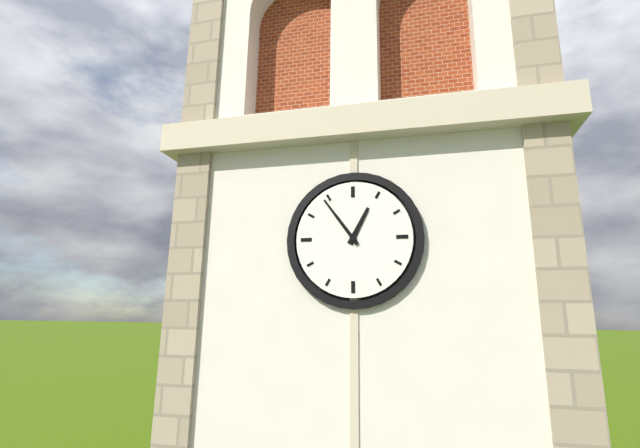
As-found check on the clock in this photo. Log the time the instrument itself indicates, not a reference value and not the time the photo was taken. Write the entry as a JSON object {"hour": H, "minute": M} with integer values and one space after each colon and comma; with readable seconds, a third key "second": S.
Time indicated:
{"hour": 12, "minute": 54}
